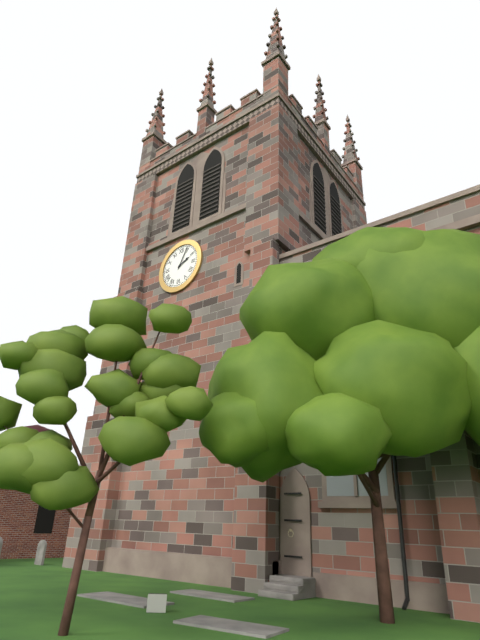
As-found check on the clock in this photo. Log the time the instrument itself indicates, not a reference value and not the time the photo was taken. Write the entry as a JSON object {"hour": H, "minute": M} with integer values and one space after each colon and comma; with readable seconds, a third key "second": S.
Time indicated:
{"hour": 2, "minute": 4}
